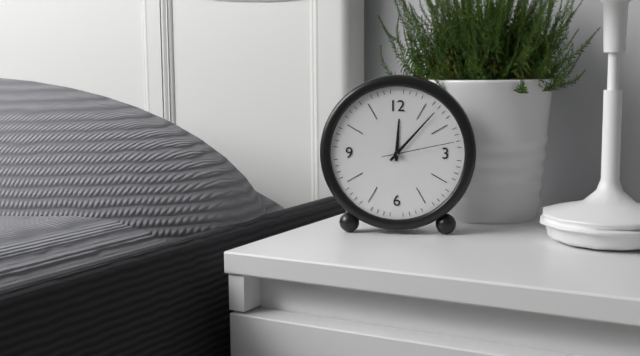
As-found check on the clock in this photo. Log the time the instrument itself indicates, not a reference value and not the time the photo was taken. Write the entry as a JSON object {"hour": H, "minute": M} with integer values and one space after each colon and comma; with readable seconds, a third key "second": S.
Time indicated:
{"hour": 12, "minute": 7, "second": 13}
